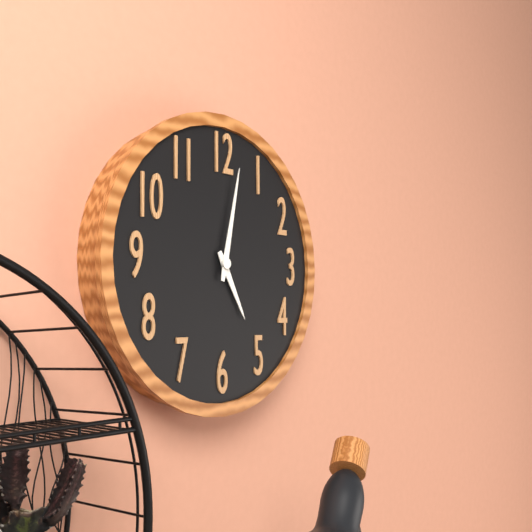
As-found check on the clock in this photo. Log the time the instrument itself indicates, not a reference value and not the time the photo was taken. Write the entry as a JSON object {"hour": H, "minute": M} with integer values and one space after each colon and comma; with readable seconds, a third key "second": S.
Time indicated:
{"hour": 5, "minute": 2}
